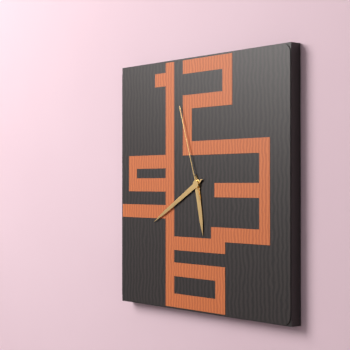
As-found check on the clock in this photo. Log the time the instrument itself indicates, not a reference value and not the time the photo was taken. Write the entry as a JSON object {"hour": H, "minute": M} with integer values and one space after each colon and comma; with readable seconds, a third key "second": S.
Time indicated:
{"hour": 5, "minute": 40, "second": 57}
